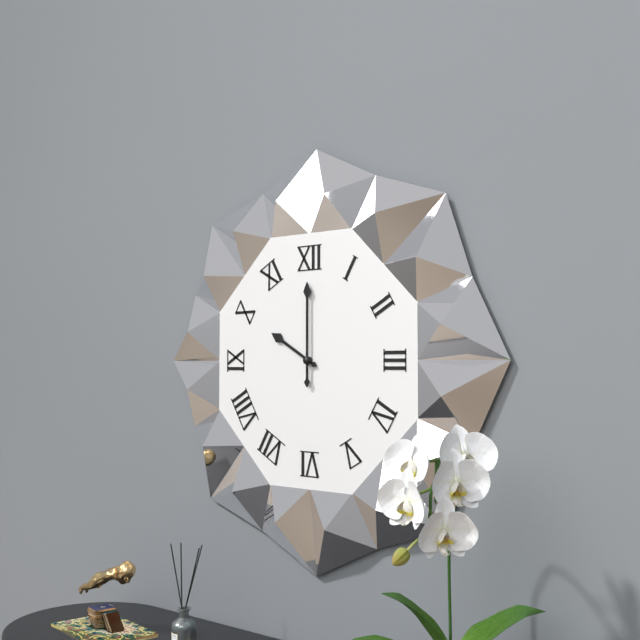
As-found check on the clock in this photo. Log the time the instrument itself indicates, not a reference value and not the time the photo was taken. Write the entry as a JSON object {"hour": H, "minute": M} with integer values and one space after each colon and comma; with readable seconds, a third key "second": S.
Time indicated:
{"hour": 10, "minute": 0}
